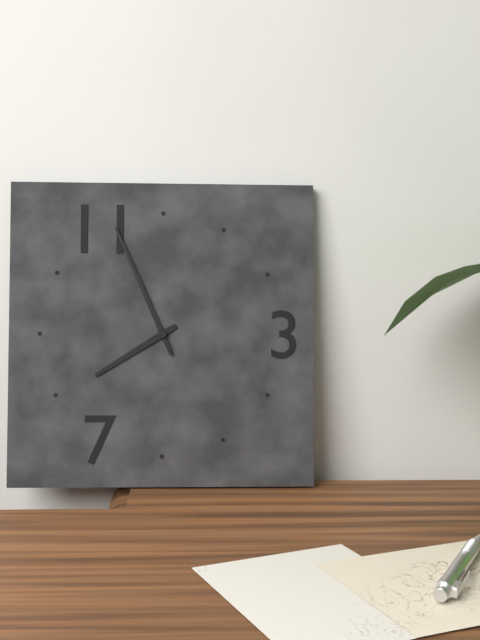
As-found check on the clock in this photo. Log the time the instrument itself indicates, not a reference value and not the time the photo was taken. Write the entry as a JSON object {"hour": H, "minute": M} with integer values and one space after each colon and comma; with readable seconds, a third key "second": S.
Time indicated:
{"hour": 7, "minute": 56}
